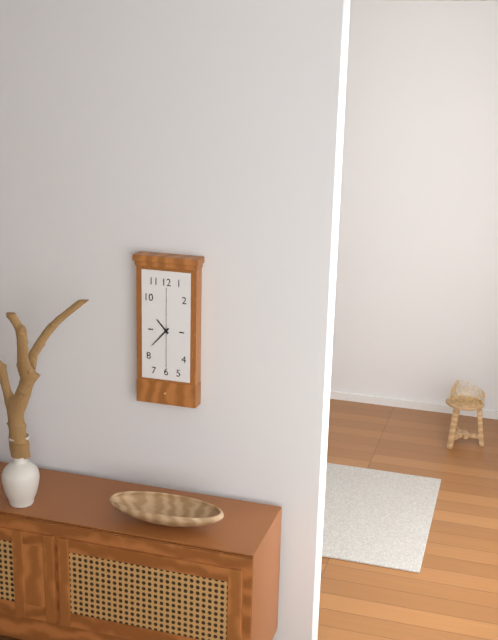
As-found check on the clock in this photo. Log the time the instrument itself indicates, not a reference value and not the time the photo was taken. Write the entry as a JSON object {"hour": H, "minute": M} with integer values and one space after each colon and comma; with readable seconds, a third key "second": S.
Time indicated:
{"hour": 10, "minute": 37}
